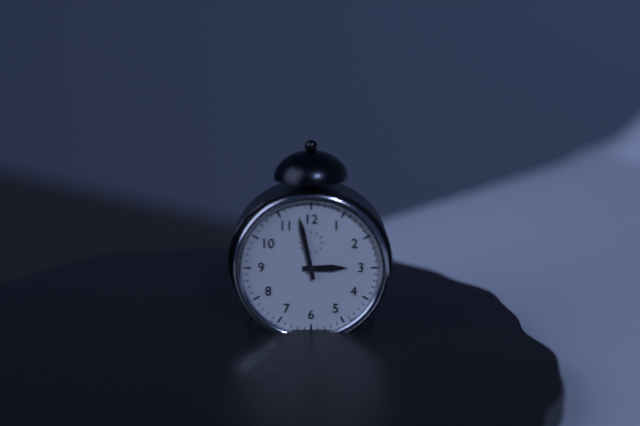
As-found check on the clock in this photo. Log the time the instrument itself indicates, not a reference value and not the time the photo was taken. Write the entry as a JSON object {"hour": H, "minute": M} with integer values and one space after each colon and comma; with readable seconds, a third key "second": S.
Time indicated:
{"hour": 2, "minute": 58}
